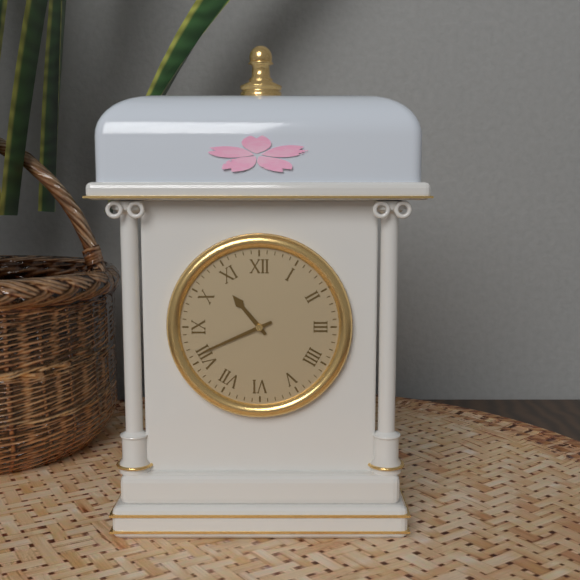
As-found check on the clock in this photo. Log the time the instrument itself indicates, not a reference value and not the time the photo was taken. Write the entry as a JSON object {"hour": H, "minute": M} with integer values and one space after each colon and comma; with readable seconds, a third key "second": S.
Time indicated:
{"hour": 10, "minute": 41}
